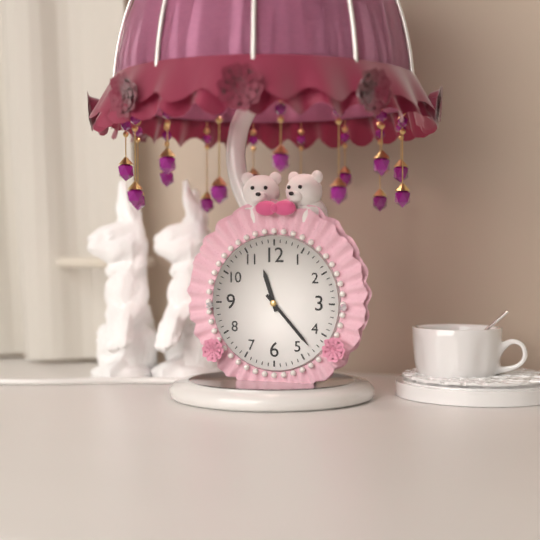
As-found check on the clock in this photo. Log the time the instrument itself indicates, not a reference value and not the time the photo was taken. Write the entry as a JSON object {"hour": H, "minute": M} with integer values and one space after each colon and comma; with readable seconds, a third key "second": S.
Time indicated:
{"hour": 11, "minute": 23}
